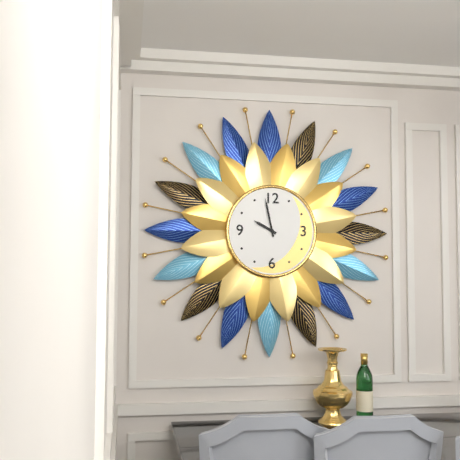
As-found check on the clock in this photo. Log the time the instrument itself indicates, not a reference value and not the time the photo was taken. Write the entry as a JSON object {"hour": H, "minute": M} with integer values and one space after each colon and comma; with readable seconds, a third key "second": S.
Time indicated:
{"hour": 9, "minute": 58}
